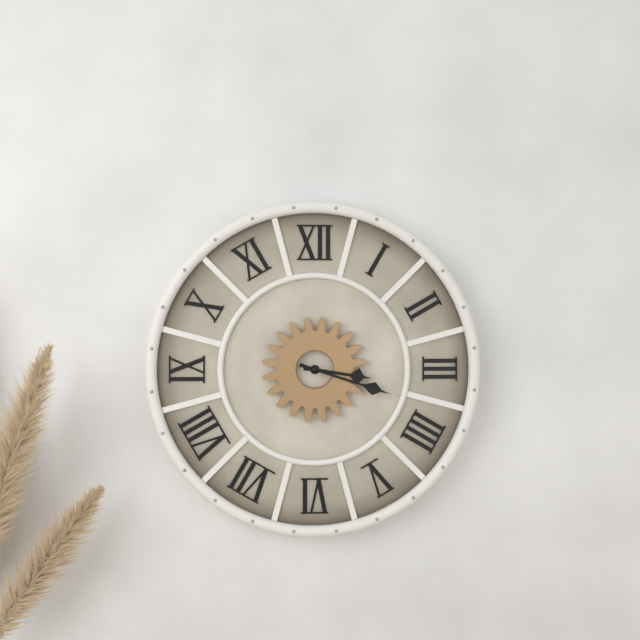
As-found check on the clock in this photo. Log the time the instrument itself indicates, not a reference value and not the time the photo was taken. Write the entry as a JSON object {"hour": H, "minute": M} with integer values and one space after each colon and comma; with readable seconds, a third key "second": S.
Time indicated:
{"hour": 3, "minute": 18}
